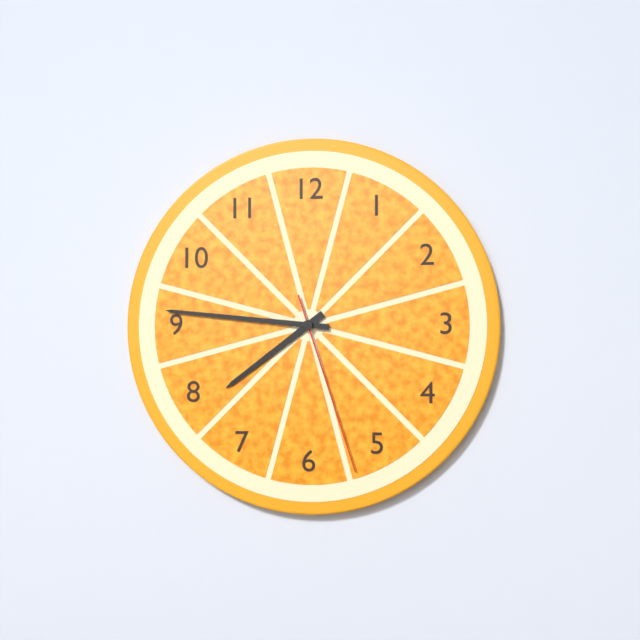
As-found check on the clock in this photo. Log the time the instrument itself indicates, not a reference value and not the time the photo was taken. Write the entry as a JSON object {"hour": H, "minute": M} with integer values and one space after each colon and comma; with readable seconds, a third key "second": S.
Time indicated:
{"hour": 7, "minute": 46, "second": 27}
